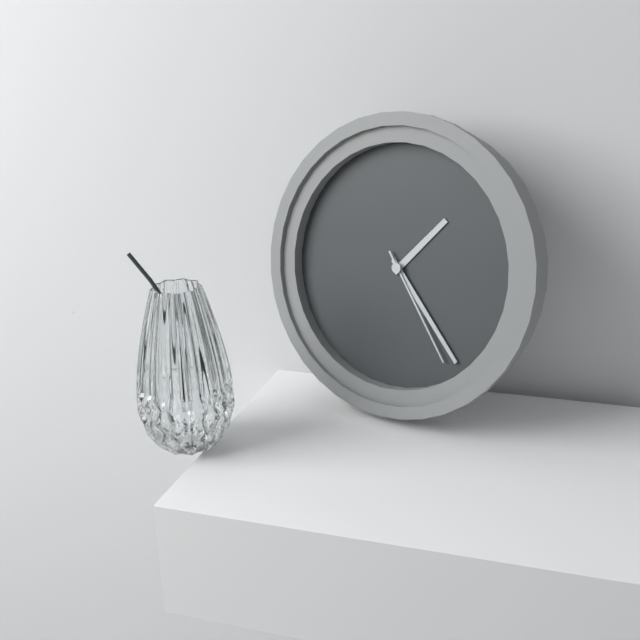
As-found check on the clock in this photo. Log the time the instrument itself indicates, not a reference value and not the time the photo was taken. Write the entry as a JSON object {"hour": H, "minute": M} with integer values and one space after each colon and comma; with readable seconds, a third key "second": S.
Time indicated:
{"hour": 1, "minute": 23, "second": 24}
